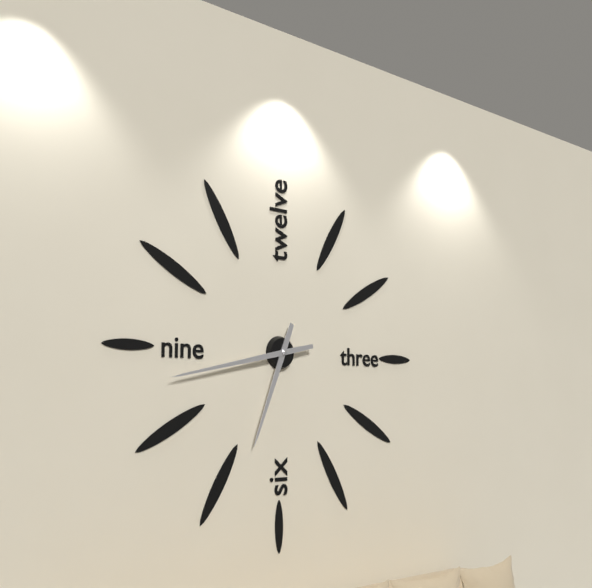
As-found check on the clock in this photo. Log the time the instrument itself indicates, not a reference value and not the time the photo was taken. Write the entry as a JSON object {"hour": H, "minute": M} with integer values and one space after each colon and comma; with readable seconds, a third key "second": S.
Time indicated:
{"hour": 6, "minute": 43}
